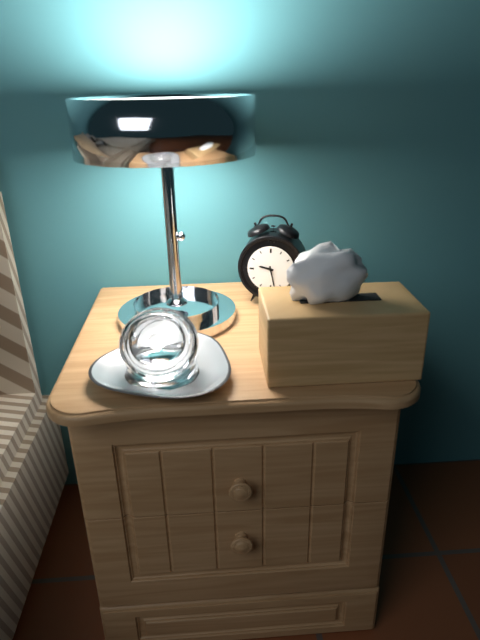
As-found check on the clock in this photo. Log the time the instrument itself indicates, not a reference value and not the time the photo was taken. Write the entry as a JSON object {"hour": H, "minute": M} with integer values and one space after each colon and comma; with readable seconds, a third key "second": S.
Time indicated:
{"hour": 9, "minute": 28}
